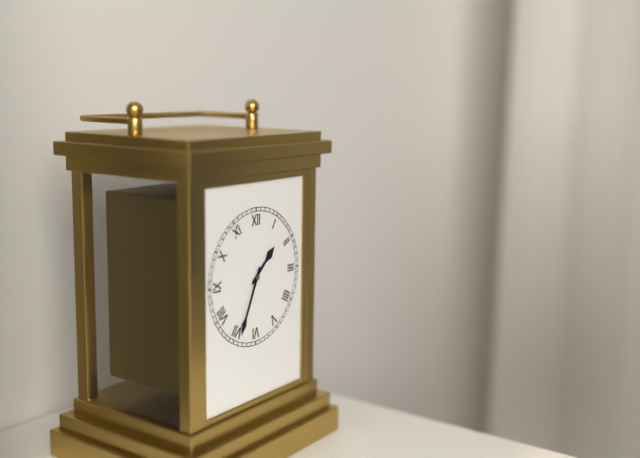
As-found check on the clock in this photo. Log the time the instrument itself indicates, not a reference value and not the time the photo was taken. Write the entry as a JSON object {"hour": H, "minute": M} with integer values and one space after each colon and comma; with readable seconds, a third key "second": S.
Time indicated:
{"hour": 1, "minute": 34}
